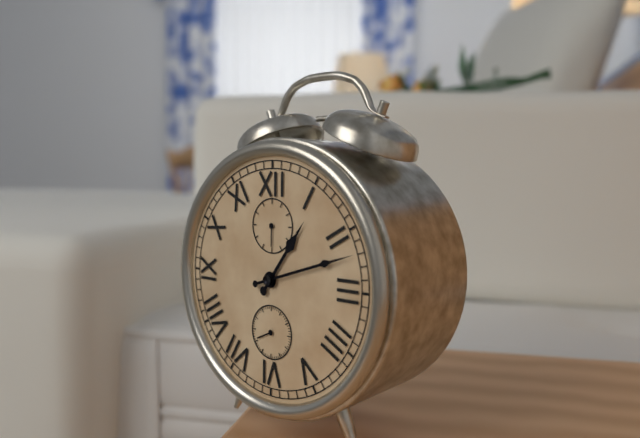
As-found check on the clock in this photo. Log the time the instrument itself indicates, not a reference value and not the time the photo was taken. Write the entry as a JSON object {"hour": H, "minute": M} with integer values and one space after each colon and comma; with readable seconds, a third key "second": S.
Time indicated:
{"hour": 1, "minute": 12}
